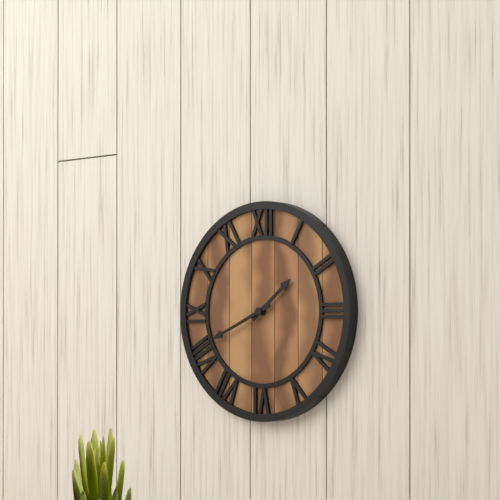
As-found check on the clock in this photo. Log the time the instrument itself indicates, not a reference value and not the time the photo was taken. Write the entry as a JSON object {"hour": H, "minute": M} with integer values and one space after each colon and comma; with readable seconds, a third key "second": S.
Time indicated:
{"hour": 1, "minute": 41}
